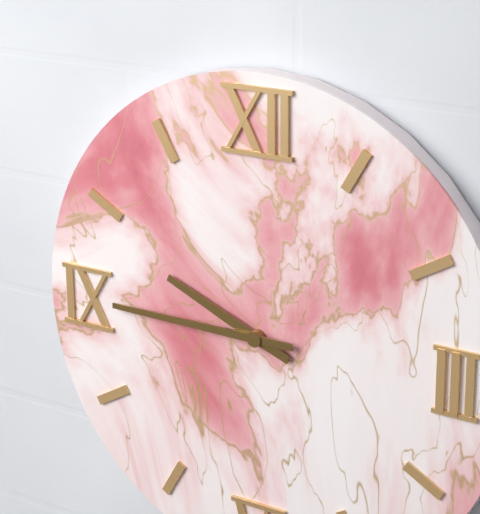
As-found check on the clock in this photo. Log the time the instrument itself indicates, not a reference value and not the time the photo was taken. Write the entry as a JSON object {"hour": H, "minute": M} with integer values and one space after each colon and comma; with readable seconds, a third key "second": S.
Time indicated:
{"hour": 9, "minute": 45}
